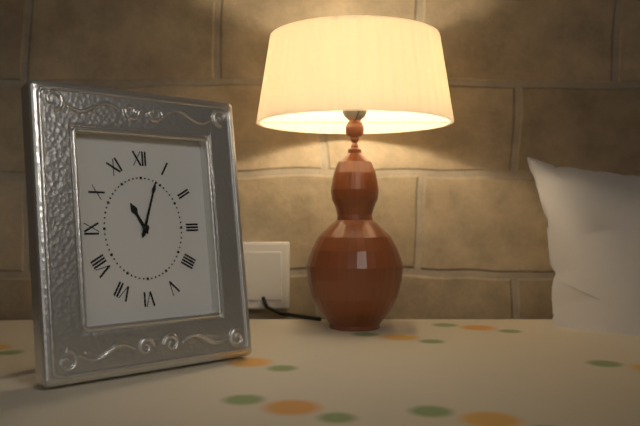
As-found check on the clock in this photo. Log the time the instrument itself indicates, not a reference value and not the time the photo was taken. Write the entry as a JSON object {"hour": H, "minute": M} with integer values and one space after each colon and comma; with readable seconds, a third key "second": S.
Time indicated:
{"hour": 11, "minute": 3}
